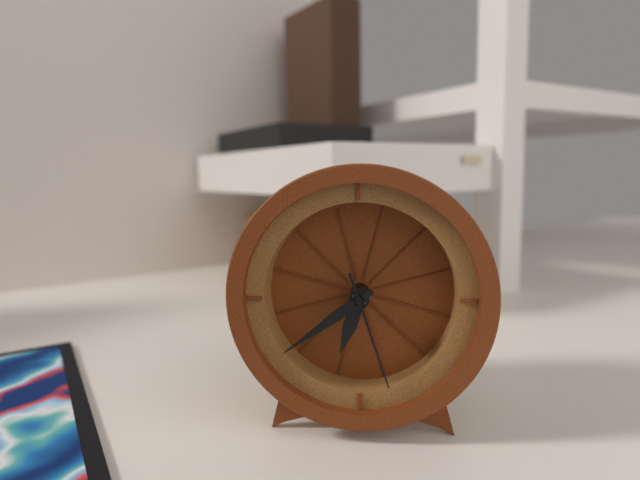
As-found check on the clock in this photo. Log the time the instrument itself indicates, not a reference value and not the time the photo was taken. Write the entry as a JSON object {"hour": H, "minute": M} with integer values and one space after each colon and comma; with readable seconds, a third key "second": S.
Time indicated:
{"hour": 6, "minute": 39, "second": 27}
